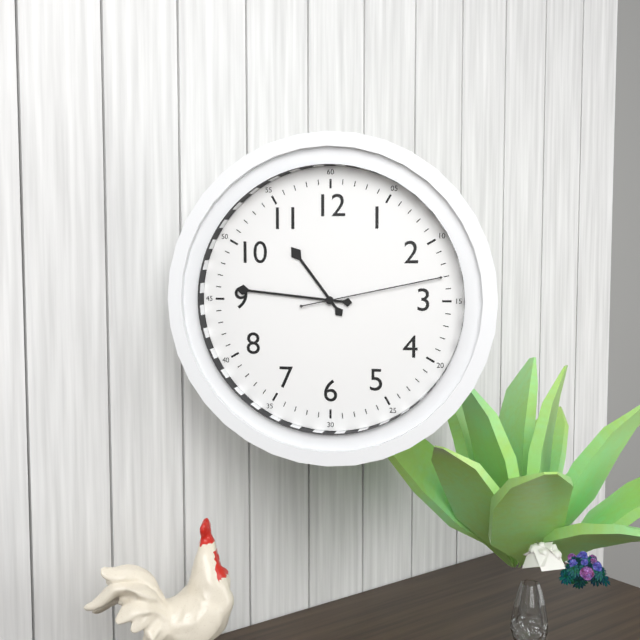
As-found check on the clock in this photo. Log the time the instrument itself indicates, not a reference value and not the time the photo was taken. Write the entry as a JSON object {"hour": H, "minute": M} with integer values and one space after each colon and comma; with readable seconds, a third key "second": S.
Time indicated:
{"hour": 10, "minute": 46, "second": 13}
